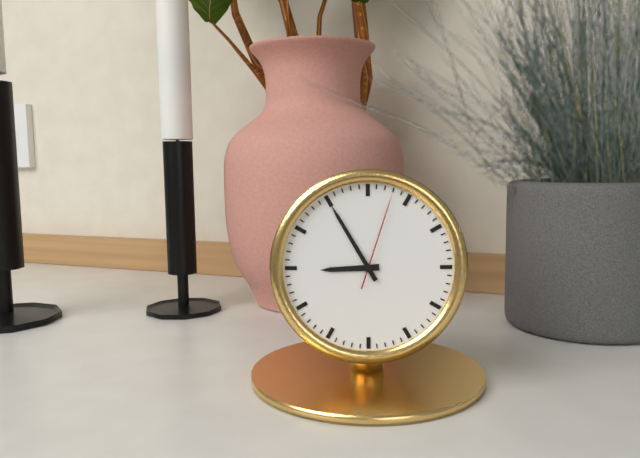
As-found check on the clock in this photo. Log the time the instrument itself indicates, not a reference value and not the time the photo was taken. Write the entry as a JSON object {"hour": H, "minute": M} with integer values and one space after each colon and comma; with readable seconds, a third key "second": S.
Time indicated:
{"hour": 8, "minute": 55, "second": 3}
